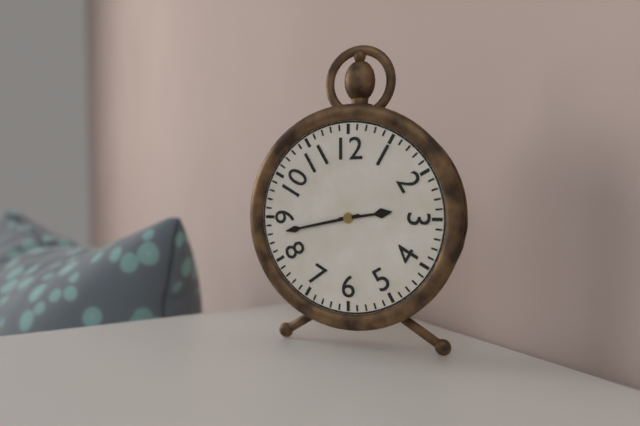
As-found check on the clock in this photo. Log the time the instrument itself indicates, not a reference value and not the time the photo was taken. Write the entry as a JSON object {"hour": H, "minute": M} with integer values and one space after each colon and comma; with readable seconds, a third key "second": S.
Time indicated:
{"hour": 2, "minute": 43}
